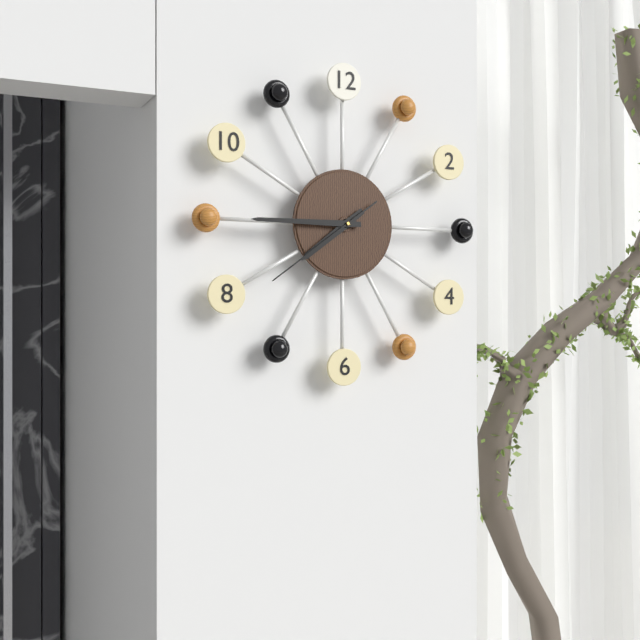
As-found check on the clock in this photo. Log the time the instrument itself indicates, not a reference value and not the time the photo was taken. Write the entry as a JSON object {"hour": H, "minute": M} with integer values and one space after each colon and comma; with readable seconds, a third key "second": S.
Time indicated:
{"hour": 7, "minute": 45, "second": 39}
